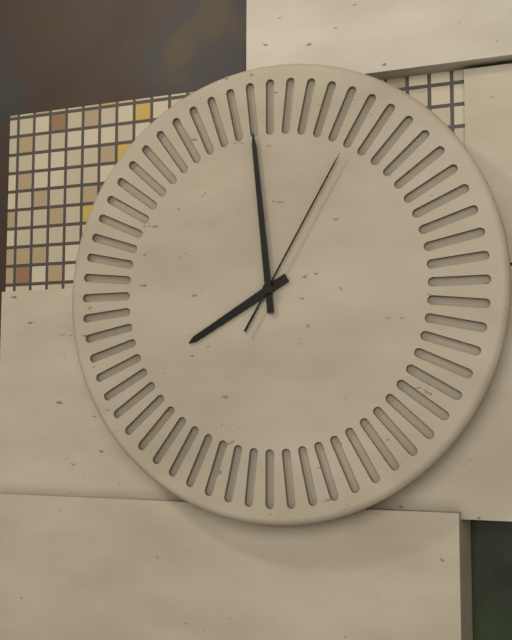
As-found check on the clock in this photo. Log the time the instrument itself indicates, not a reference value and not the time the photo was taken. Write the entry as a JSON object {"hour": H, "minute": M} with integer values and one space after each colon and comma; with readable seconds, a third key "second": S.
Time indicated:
{"hour": 7, "minute": 59, "second": 5}
